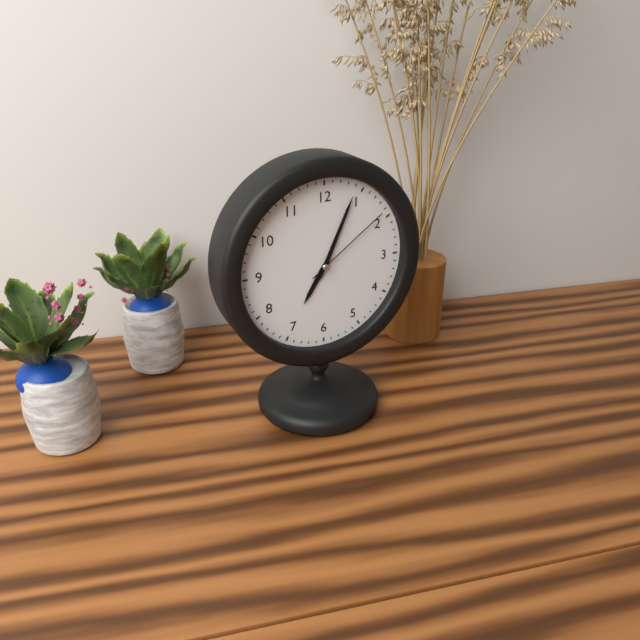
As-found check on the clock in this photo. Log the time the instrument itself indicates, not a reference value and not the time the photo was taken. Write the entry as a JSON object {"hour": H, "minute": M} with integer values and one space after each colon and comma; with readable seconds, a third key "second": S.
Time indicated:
{"hour": 7, "minute": 4, "second": 9}
